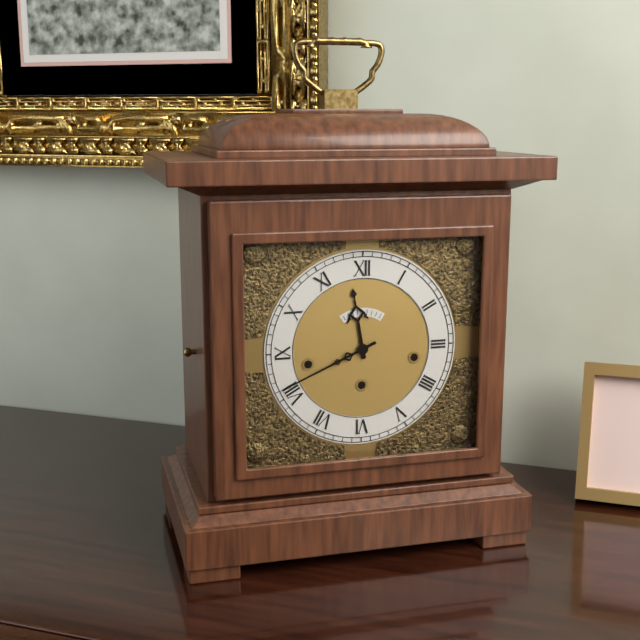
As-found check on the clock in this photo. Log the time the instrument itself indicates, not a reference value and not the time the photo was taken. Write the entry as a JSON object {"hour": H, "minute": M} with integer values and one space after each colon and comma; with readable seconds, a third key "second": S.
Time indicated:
{"hour": 11, "minute": 41}
